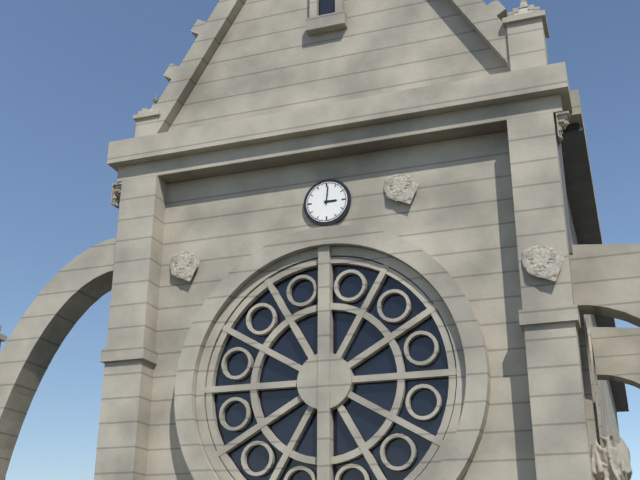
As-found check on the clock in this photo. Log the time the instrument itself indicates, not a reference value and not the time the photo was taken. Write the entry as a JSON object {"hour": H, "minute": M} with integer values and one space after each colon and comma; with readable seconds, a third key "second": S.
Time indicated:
{"hour": 3, "minute": 1}
